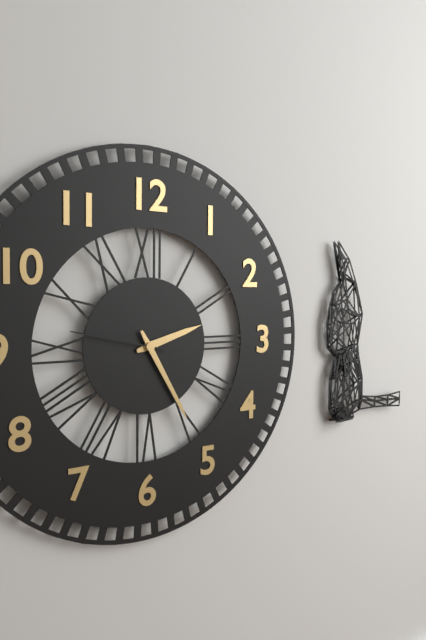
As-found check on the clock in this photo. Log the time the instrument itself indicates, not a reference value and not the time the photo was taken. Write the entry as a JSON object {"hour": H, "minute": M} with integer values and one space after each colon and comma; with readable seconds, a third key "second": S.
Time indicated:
{"hour": 2, "minute": 25, "second": 47}
